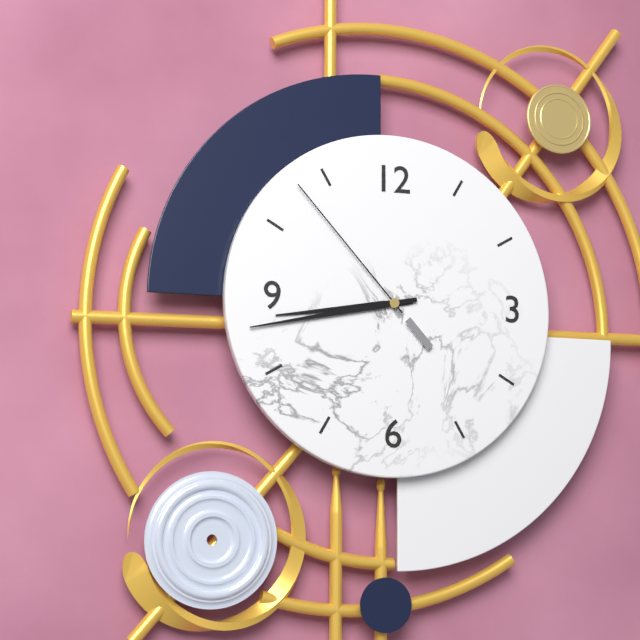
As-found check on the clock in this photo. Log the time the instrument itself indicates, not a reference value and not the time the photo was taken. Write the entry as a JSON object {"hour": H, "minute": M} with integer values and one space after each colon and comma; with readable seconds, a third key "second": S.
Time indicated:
{"hour": 8, "minute": 43, "second": 53}
